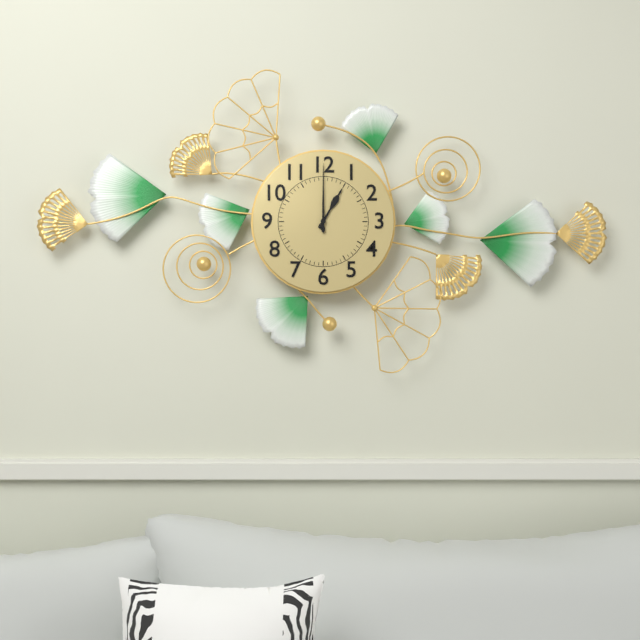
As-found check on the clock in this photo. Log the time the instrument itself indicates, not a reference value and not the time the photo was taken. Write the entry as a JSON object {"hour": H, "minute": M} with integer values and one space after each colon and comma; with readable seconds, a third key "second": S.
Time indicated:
{"hour": 1, "minute": 0}
